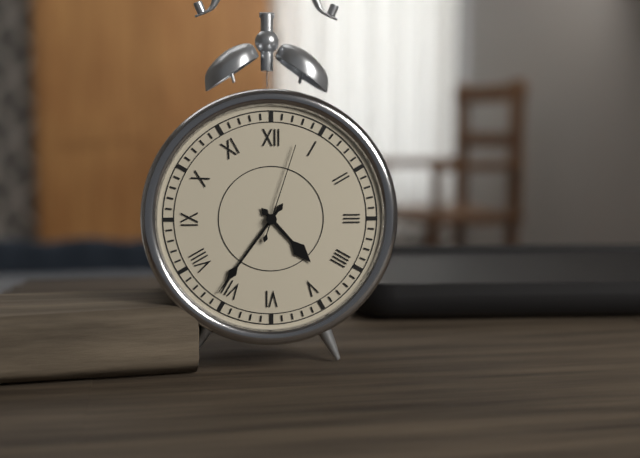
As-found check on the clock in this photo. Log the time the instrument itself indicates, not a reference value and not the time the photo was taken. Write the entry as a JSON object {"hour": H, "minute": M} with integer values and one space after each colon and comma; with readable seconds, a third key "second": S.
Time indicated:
{"hour": 4, "minute": 36, "second": 3}
